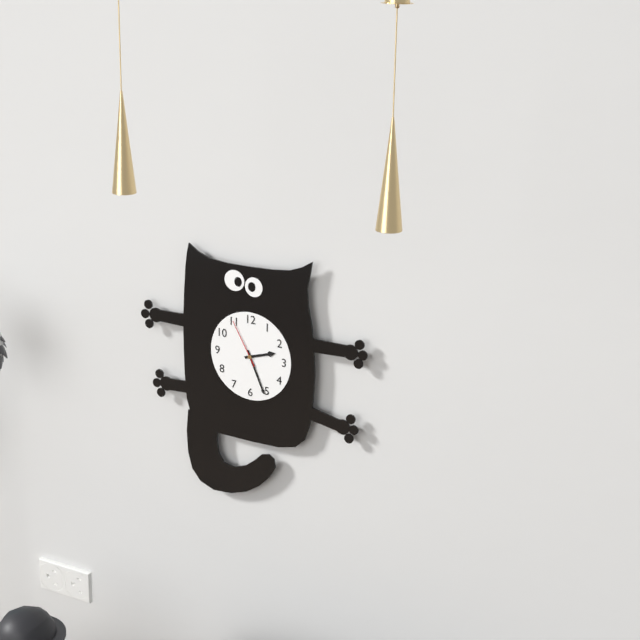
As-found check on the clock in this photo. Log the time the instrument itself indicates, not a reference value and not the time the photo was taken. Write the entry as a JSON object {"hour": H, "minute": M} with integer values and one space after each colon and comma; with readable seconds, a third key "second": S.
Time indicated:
{"hour": 2, "minute": 26, "second": 55}
